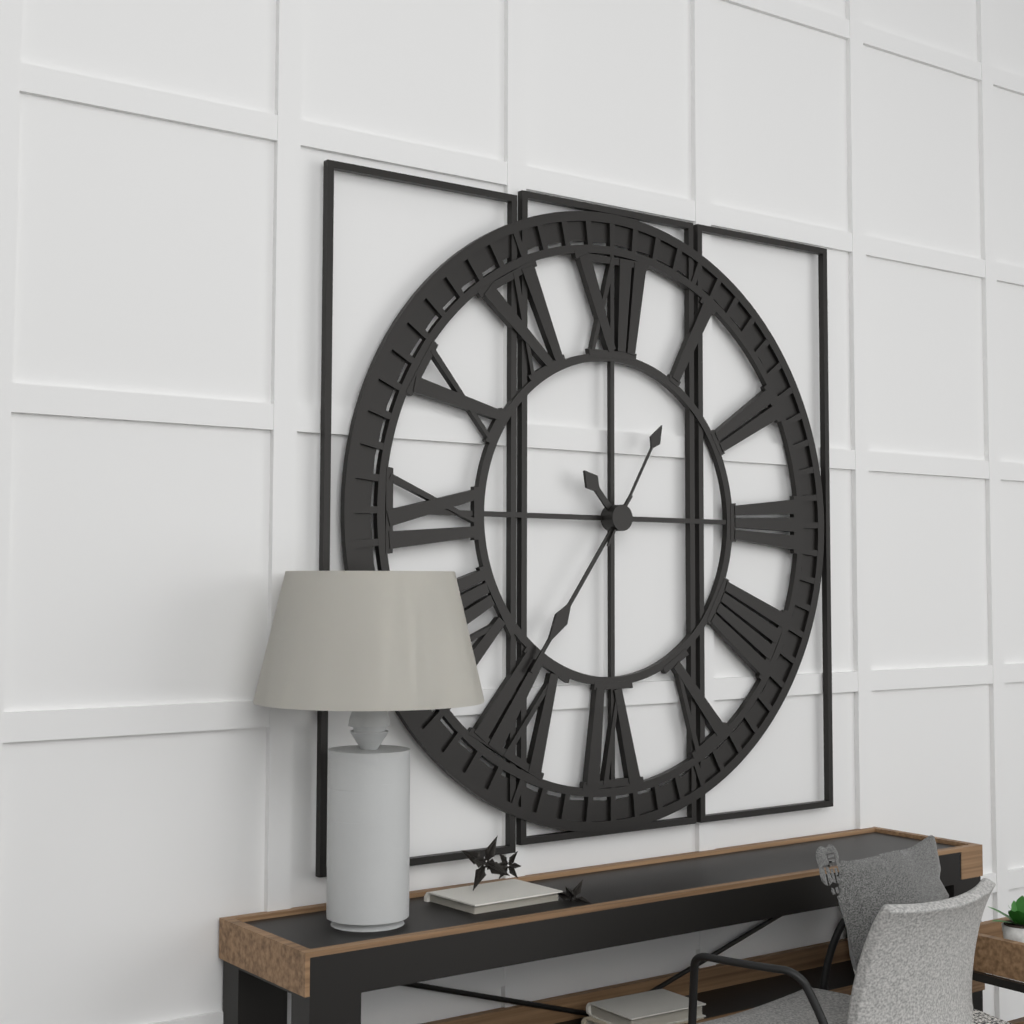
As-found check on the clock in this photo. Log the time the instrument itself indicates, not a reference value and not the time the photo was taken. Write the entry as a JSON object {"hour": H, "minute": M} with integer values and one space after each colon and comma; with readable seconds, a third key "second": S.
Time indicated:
{"hour": 10, "minute": 36, "second": 5}
